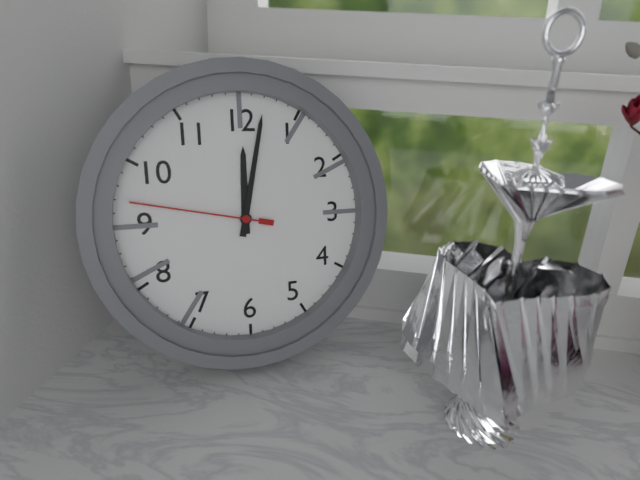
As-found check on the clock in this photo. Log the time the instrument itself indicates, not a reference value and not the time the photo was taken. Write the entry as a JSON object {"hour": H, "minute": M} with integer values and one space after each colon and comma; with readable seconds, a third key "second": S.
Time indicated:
{"hour": 12, "minute": 2, "second": 47}
